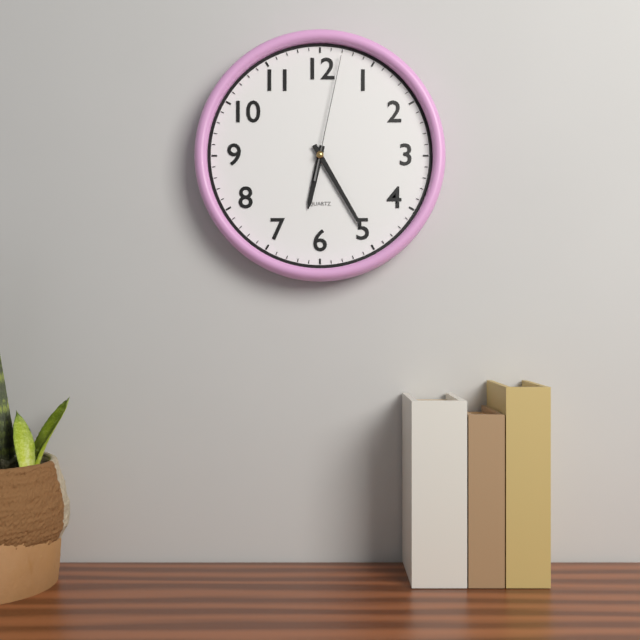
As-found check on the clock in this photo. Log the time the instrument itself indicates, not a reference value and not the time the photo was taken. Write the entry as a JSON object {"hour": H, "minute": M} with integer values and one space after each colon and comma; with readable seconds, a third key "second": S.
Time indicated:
{"hour": 6, "minute": 25, "second": 2}
